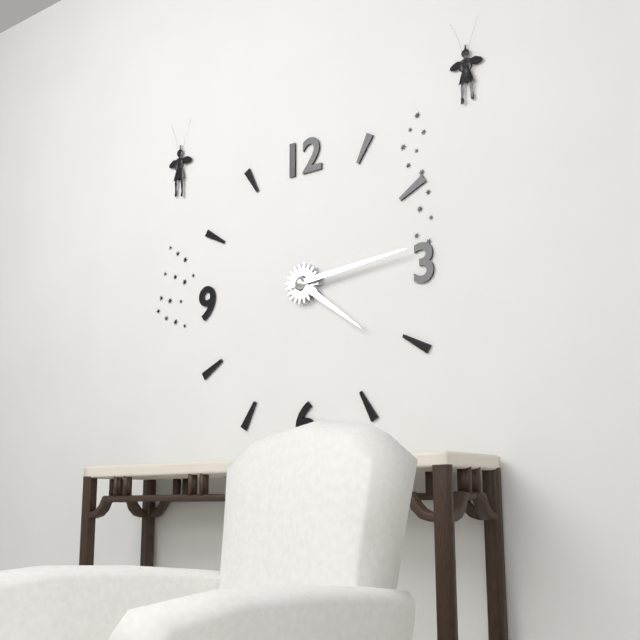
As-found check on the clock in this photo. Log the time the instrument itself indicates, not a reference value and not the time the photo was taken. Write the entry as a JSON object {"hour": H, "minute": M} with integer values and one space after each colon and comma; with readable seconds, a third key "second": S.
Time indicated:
{"hour": 4, "minute": 14}
